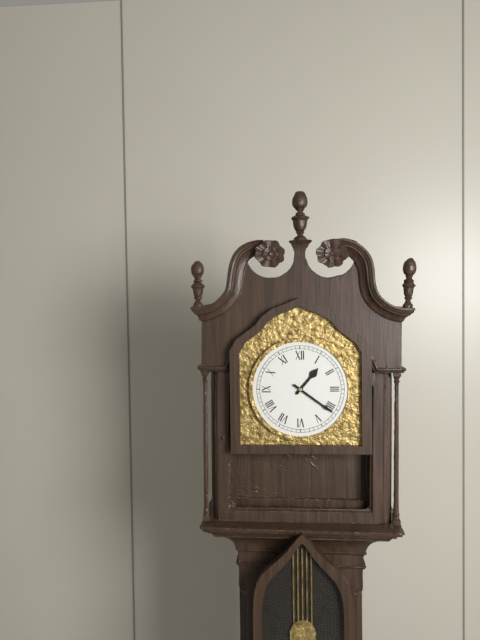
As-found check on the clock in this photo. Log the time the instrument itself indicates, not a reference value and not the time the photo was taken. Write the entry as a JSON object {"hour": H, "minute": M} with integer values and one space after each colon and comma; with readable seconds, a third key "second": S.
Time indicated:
{"hour": 1, "minute": 21}
